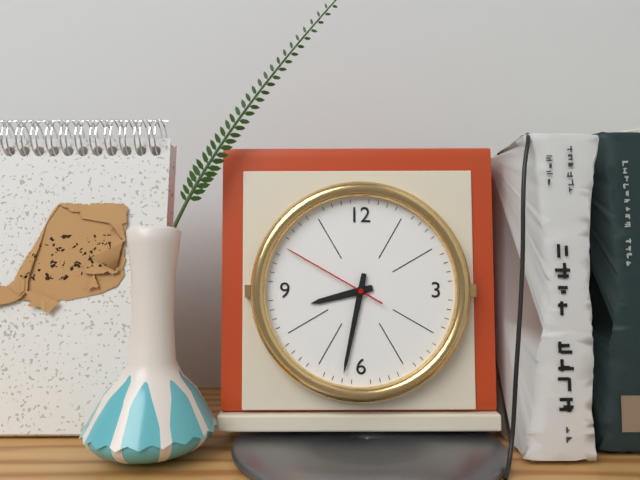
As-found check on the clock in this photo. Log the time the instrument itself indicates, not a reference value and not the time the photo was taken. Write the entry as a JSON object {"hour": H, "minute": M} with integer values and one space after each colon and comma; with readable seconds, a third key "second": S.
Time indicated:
{"hour": 8, "minute": 32, "second": 50}
